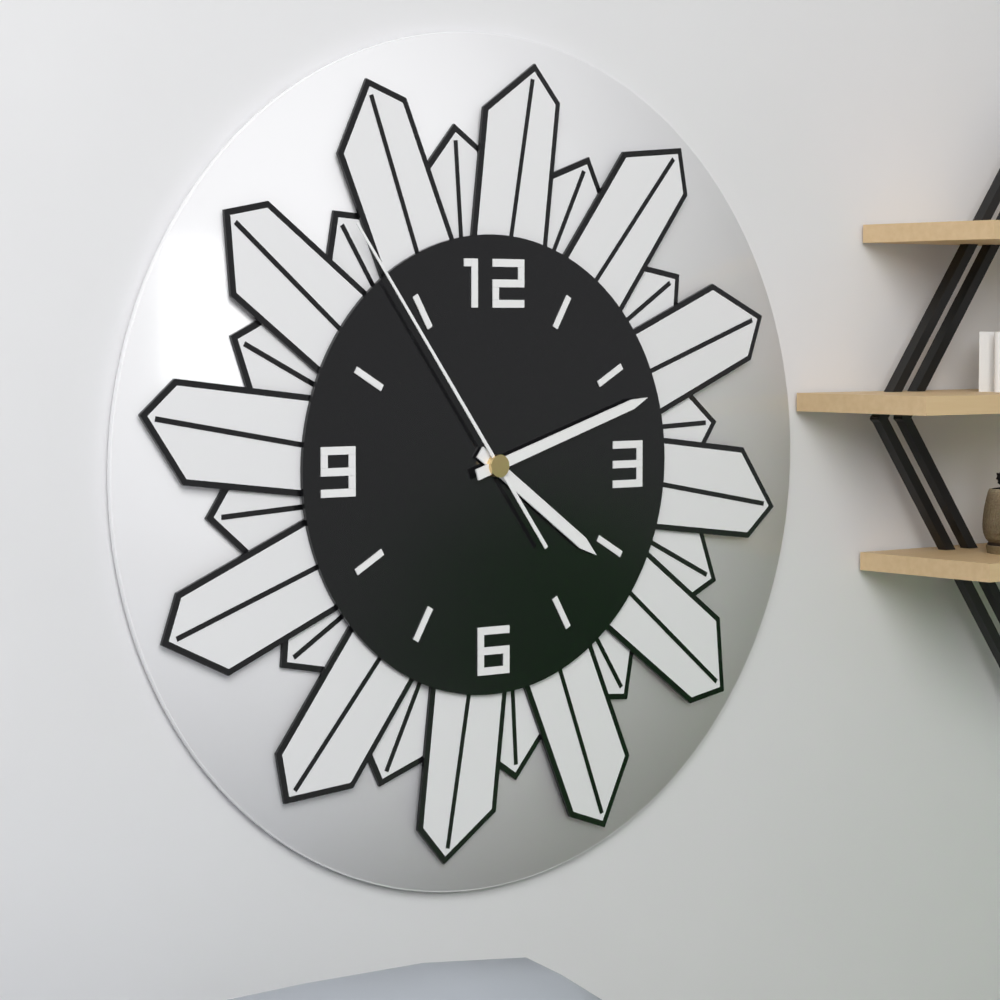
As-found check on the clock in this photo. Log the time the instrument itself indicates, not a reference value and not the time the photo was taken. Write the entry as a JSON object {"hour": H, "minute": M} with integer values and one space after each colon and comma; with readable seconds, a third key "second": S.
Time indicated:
{"hour": 4, "minute": 12, "second": 54}
